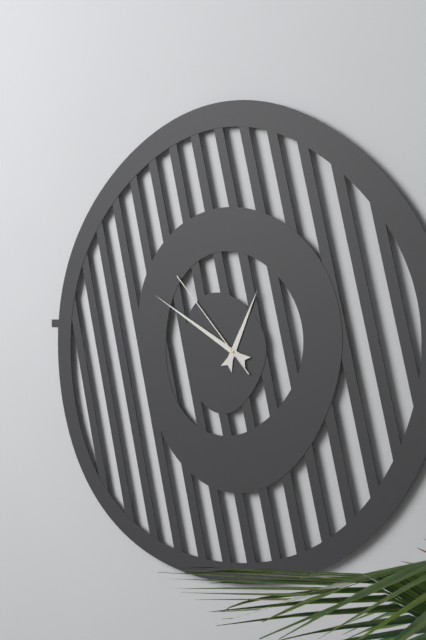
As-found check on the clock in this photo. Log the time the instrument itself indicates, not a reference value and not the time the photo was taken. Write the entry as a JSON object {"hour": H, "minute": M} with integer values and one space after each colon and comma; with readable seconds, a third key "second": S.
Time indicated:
{"hour": 12, "minute": 50, "second": 53}
